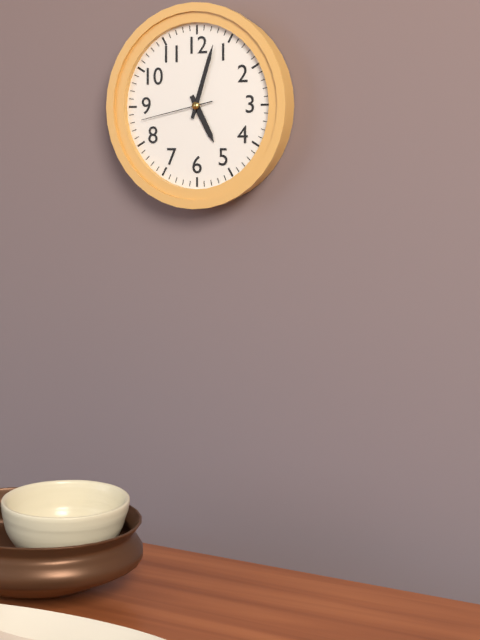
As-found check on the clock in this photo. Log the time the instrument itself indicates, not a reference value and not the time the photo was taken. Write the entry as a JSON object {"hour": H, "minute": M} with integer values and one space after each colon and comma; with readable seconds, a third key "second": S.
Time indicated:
{"hour": 5, "minute": 3, "second": 43}
